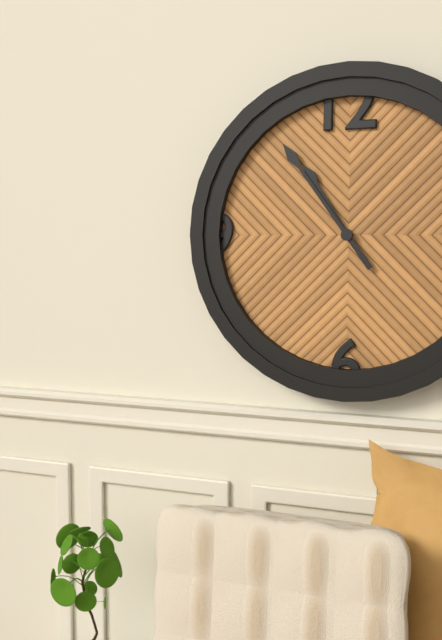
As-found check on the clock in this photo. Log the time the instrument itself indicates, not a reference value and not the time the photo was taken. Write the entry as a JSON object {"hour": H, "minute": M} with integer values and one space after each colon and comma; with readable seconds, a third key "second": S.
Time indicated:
{"hour": 10, "minute": 54}
